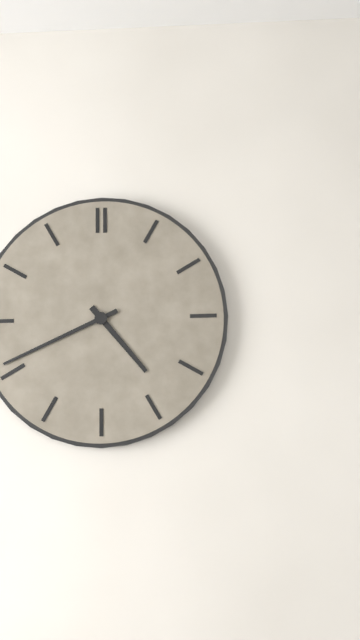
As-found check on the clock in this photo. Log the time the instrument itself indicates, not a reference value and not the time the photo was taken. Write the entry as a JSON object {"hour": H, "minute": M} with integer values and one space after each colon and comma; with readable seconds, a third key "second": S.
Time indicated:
{"hour": 4, "minute": 41}
